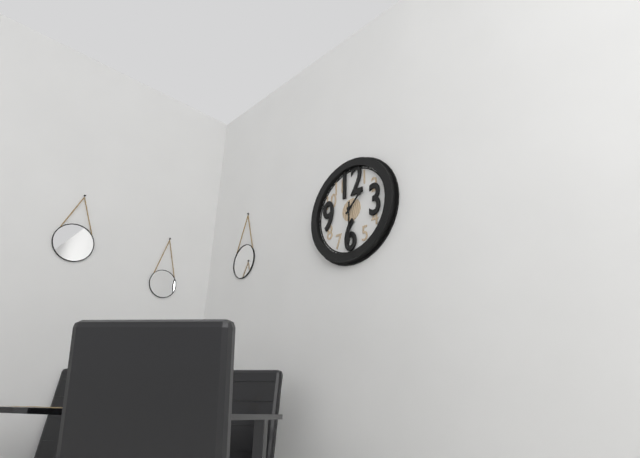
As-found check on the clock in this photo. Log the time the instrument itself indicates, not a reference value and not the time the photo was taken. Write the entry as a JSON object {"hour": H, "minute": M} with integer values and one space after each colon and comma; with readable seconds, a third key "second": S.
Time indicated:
{"hour": 1, "minute": 30}
